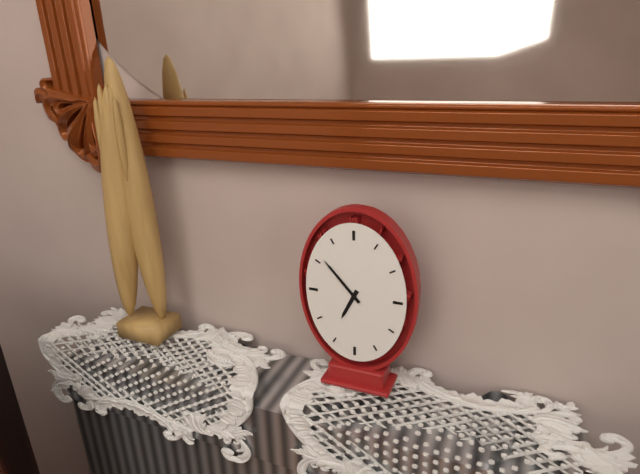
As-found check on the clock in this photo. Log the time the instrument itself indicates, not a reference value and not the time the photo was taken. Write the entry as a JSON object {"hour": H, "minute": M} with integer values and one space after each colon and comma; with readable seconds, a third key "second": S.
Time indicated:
{"hour": 6, "minute": 53}
